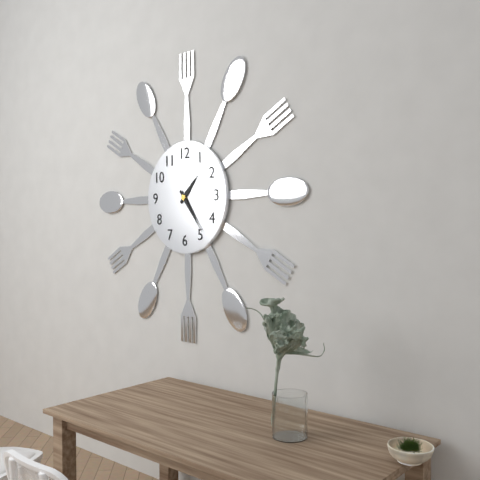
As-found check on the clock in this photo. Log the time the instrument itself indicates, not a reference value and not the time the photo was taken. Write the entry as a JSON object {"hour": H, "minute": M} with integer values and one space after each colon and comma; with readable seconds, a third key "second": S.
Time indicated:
{"hour": 1, "minute": 24}
